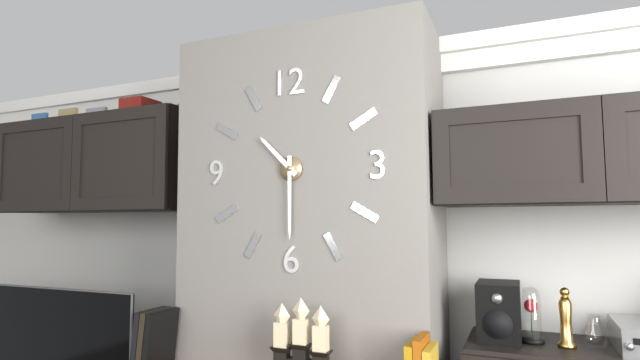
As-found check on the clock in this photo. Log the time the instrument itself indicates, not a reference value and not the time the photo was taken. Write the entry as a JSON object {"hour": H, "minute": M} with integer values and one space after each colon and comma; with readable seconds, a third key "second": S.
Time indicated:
{"hour": 10, "minute": 30}
